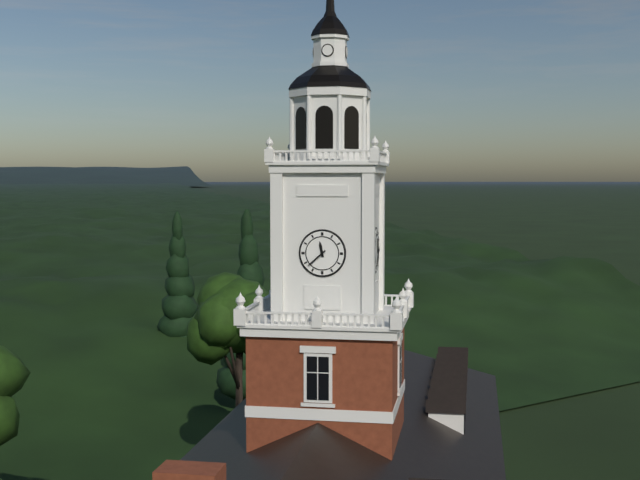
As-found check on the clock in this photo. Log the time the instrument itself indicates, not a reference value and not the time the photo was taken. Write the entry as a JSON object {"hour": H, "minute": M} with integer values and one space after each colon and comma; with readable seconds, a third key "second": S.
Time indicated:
{"hour": 11, "minute": 38}
